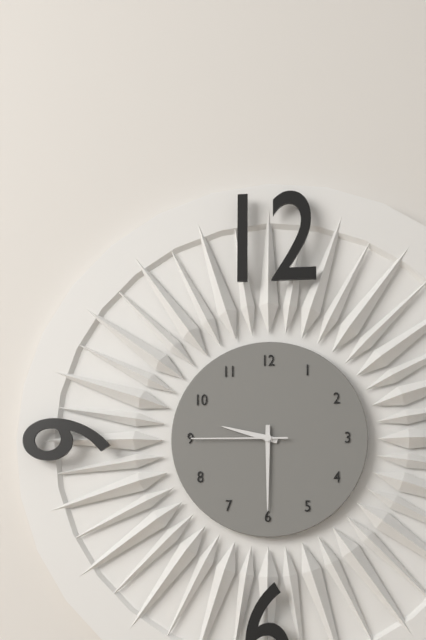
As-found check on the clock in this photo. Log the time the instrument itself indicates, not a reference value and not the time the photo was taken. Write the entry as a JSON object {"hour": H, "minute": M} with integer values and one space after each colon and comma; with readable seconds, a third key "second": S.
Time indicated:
{"hour": 9, "minute": 30, "second": 45}
